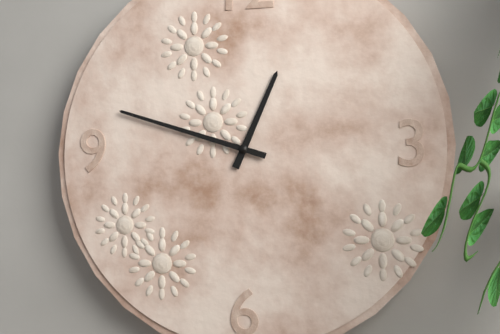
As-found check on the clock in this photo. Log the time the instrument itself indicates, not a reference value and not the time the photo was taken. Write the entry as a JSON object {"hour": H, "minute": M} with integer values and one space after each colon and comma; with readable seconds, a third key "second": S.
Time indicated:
{"hour": 12, "minute": 48}
